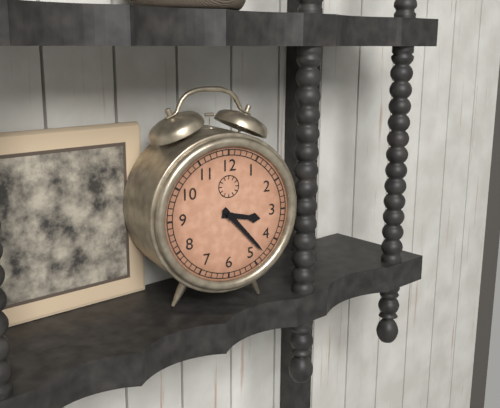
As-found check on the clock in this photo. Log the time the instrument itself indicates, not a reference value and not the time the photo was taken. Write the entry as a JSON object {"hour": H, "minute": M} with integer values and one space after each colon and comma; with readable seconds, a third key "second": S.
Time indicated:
{"hour": 3, "minute": 23}
